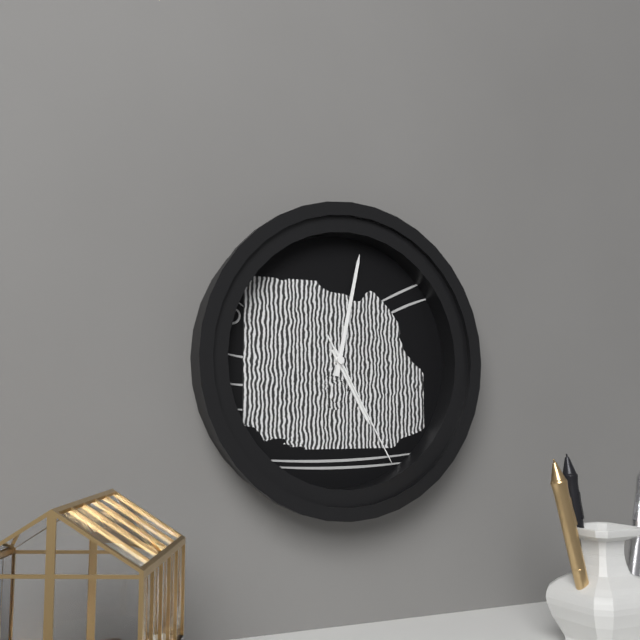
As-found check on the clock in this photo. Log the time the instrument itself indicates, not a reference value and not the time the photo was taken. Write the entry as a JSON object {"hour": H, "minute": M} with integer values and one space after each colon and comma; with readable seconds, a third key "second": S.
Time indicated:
{"hour": 5, "minute": 2, "second": 25}
